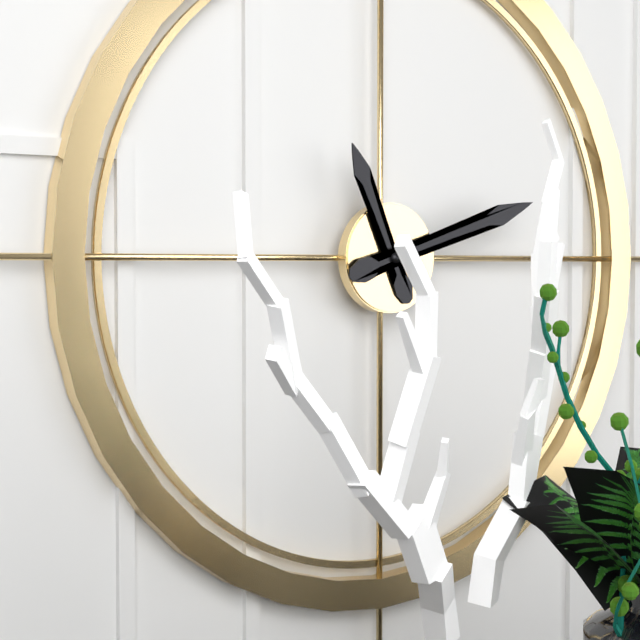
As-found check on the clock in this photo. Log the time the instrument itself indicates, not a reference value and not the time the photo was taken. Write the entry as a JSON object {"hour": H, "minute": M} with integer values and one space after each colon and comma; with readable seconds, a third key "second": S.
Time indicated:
{"hour": 11, "minute": 12}
